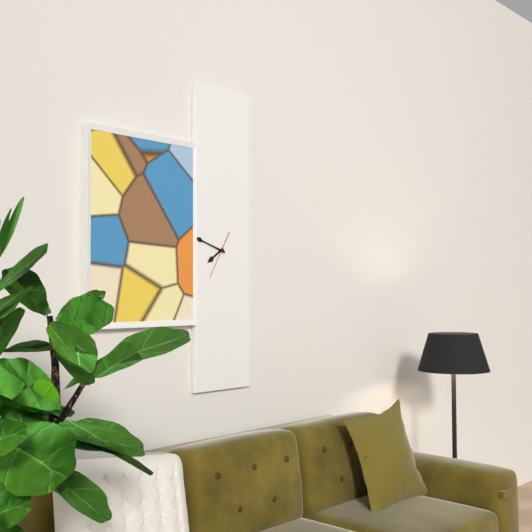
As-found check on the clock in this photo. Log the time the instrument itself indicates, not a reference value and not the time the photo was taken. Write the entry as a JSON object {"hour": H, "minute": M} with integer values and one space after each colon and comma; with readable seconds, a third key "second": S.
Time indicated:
{"hour": 7, "minute": 48}
